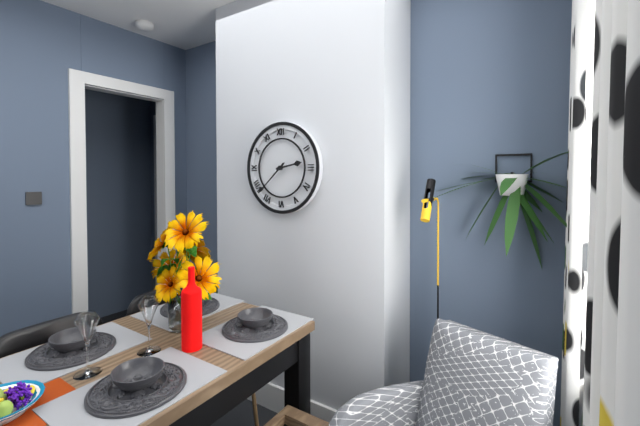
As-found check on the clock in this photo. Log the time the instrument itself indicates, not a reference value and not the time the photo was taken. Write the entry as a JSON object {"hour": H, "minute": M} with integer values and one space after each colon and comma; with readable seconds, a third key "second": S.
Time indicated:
{"hour": 2, "minute": 38}
